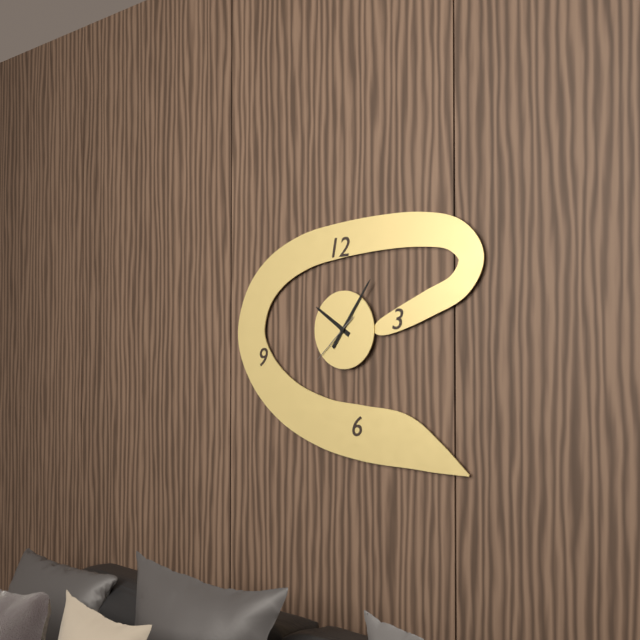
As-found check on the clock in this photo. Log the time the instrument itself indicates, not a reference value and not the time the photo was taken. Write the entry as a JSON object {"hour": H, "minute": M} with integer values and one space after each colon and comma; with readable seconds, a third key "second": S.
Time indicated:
{"hour": 10, "minute": 6}
